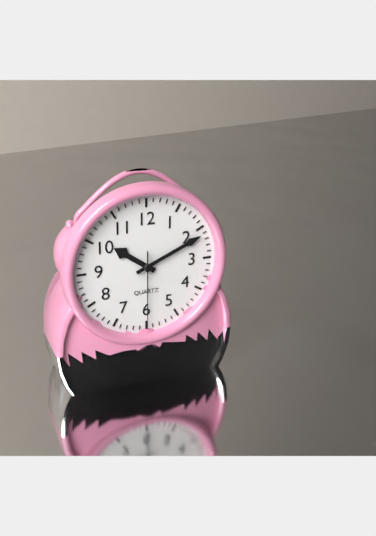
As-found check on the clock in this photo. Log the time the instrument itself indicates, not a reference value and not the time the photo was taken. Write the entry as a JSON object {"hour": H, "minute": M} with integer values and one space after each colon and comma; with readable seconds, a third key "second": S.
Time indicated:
{"hour": 10, "minute": 11, "second": 30}
